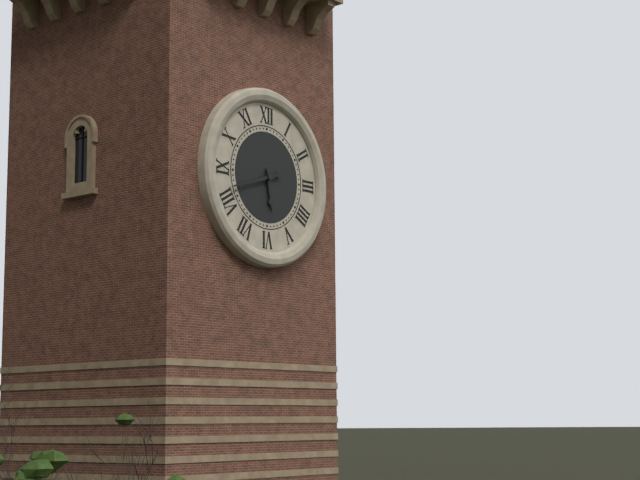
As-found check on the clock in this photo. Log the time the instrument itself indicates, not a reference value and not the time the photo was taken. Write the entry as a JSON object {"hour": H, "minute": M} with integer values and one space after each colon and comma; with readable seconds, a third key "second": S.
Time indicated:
{"hour": 5, "minute": 42}
